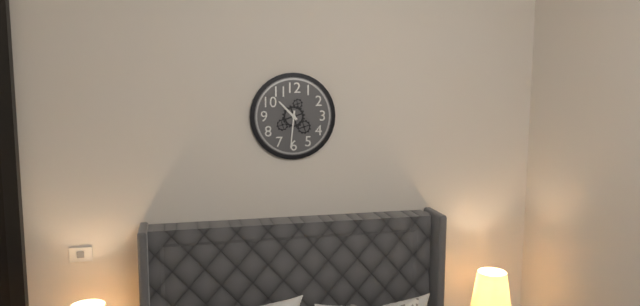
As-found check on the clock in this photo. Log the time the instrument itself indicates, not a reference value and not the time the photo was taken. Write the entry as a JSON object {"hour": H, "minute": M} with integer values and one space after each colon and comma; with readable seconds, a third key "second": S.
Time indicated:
{"hour": 10, "minute": 31}
